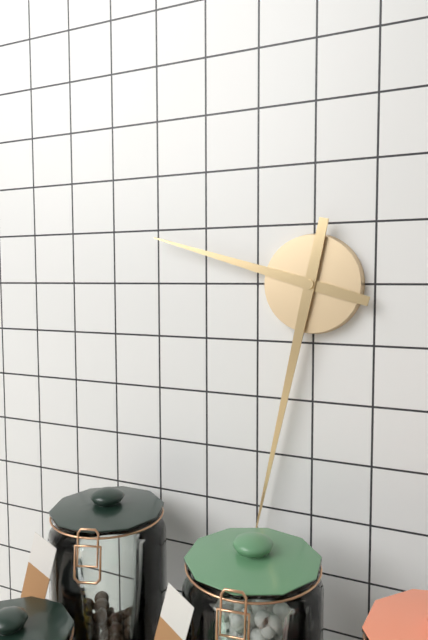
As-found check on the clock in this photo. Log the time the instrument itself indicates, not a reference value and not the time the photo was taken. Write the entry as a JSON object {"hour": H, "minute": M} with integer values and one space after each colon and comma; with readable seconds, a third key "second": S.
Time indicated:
{"hour": 9, "minute": 32}
